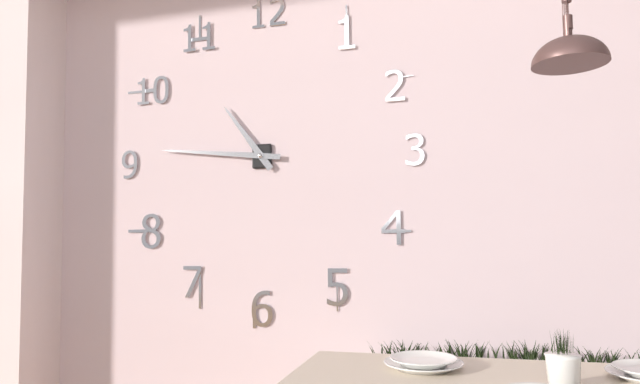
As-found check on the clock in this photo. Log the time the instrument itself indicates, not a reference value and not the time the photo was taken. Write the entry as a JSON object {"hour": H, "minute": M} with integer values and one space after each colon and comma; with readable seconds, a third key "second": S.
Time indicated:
{"hour": 10, "minute": 46}
